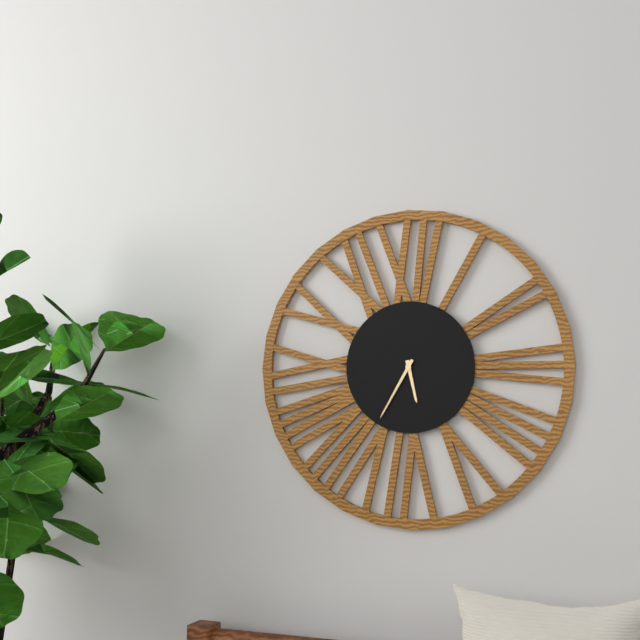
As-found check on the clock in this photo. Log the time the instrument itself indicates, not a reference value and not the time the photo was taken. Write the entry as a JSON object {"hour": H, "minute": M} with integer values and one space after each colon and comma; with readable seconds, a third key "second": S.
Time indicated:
{"hour": 5, "minute": 35}
